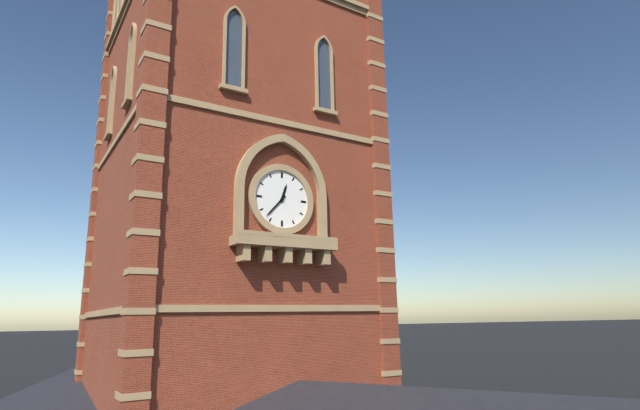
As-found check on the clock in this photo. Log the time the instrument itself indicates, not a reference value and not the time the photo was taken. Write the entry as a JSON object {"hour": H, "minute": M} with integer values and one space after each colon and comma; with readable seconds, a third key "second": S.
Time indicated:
{"hour": 12, "minute": 37}
